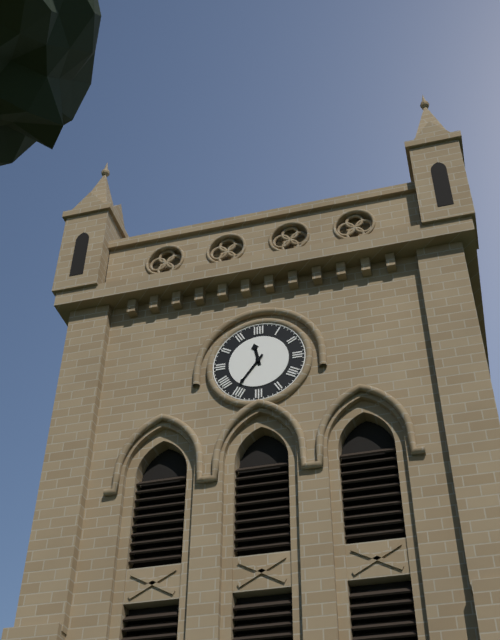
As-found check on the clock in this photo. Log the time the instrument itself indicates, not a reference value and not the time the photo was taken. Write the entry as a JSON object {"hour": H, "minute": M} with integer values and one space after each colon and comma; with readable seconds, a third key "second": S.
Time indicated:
{"hour": 11, "minute": 36}
